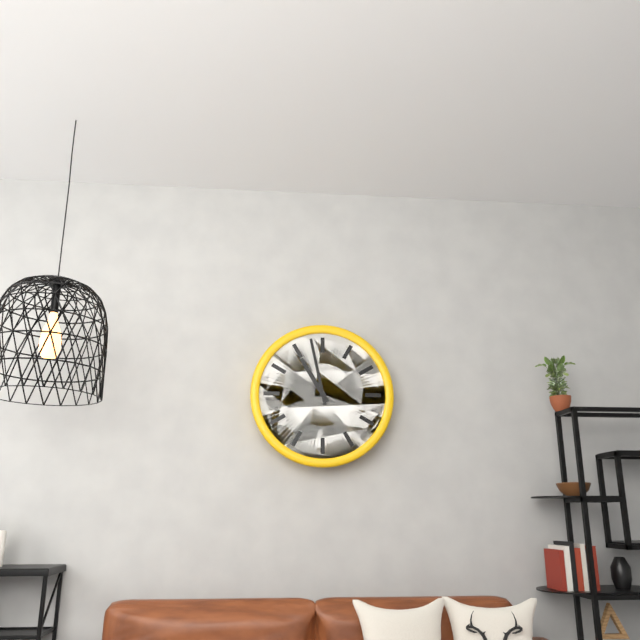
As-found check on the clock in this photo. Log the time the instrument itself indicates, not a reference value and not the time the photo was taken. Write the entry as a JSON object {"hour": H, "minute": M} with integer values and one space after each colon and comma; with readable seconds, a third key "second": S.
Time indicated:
{"hour": 10, "minute": 58}
